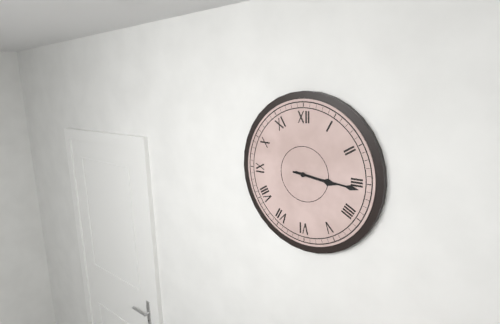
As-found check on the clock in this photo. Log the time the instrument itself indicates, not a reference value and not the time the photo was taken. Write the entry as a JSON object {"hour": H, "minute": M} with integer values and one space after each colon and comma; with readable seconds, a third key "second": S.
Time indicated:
{"hour": 3, "minute": 16}
